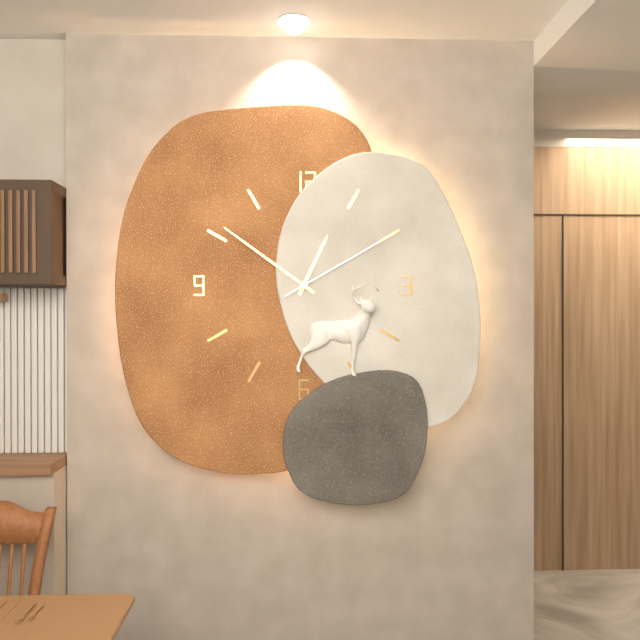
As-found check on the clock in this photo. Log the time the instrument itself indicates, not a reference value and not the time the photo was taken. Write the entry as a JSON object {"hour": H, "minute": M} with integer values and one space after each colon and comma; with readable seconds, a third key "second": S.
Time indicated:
{"hour": 12, "minute": 51, "second": 10}
